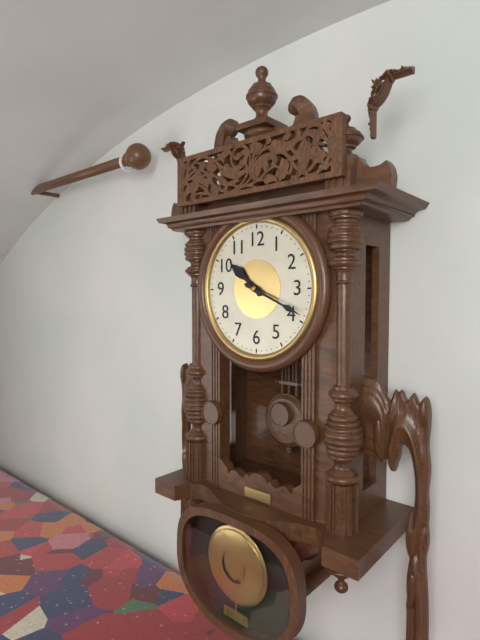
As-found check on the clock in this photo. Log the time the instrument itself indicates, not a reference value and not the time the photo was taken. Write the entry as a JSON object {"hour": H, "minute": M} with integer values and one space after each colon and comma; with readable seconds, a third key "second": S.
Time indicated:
{"hour": 10, "minute": 19}
